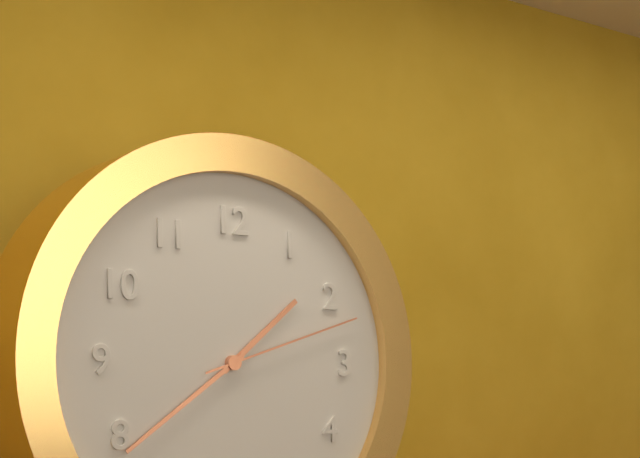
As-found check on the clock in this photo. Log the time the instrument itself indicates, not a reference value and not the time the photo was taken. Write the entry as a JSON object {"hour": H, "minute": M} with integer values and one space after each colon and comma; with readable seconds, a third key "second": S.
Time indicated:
{"hour": 1, "minute": 39, "second": 12}
